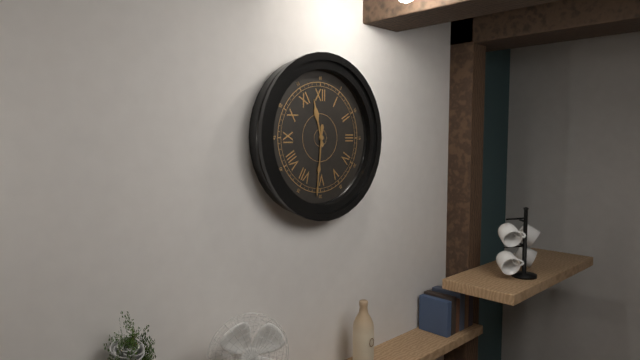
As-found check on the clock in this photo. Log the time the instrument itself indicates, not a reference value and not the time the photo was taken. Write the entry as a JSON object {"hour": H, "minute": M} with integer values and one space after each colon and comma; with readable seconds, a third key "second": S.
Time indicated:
{"hour": 11, "minute": 31}
